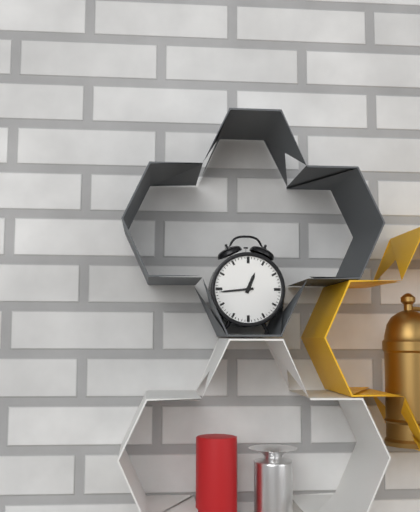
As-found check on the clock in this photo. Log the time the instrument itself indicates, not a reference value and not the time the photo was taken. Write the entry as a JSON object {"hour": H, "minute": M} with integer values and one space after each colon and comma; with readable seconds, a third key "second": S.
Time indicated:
{"hour": 12, "minute": 44}
